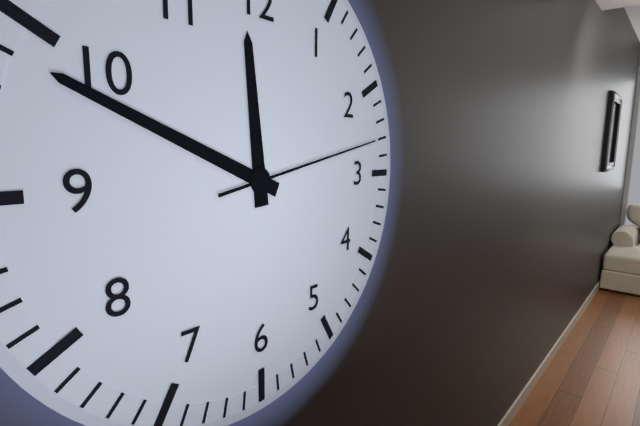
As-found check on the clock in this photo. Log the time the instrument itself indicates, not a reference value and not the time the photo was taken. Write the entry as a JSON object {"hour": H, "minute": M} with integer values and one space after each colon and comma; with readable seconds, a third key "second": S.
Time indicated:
{"hour": 11, "minute": 49, "second": 13}
